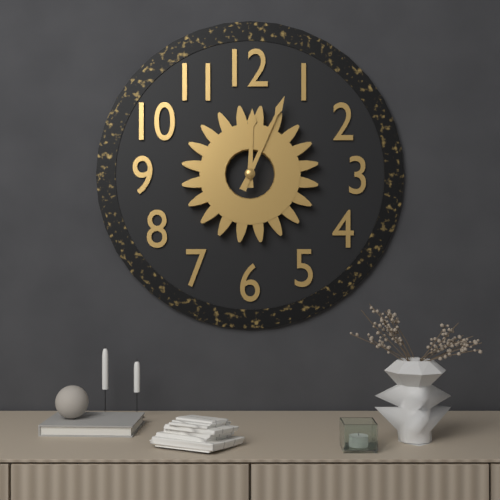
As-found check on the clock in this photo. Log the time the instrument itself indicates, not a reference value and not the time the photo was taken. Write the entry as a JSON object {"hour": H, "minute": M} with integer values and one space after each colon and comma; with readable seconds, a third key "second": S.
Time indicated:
{"hour": 12, "minute": 4}
